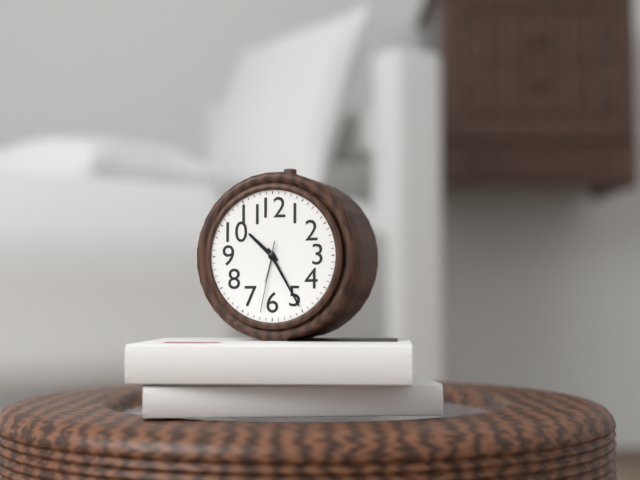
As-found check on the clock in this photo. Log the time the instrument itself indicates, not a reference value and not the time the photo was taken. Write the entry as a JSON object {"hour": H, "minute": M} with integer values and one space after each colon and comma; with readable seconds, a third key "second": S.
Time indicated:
{"hour": 10, "minute": 25, "second": 32}
